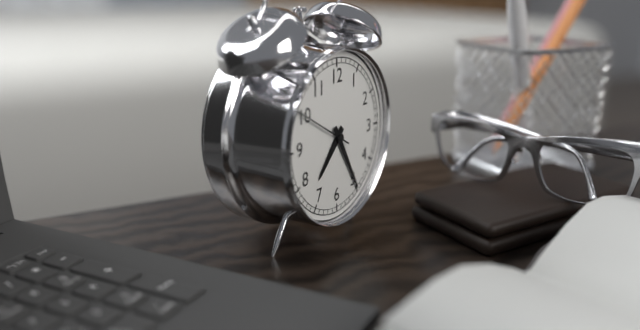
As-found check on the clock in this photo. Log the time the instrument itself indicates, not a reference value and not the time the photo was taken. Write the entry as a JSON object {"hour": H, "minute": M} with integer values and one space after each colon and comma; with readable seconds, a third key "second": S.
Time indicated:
{"hour": 7, "minute": 25, "second": 50}
